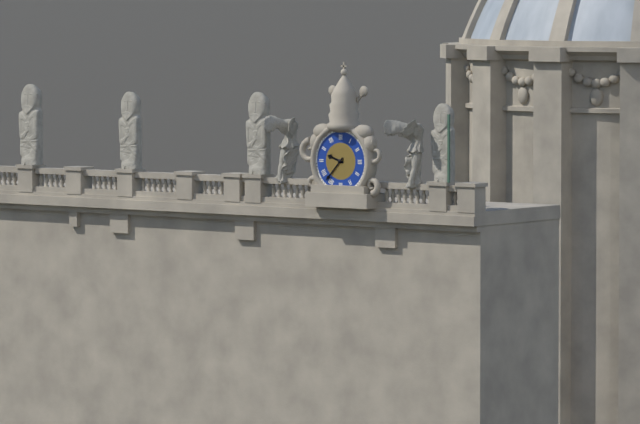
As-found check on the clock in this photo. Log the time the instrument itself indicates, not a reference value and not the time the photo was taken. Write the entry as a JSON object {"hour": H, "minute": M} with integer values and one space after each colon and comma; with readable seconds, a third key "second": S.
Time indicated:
{"hour": 9, "minute": 37}
